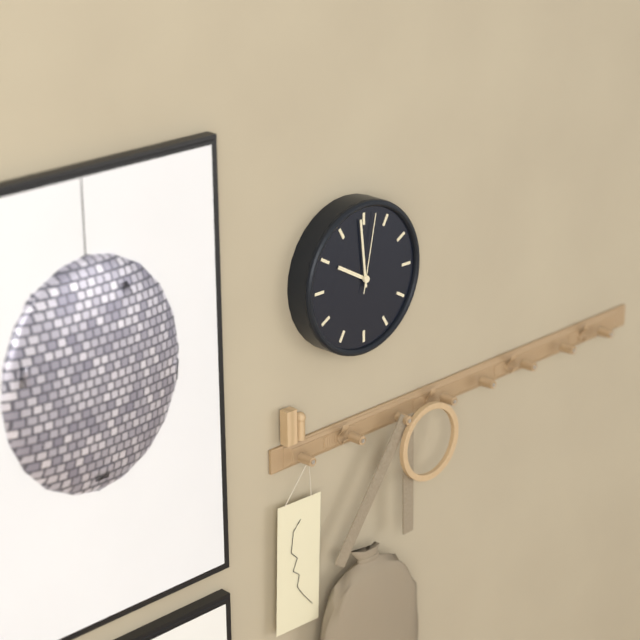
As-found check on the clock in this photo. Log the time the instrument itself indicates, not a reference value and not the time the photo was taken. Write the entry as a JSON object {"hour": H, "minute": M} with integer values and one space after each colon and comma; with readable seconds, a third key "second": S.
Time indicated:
{"hour": 9, "minute": 59, "second": 2}
